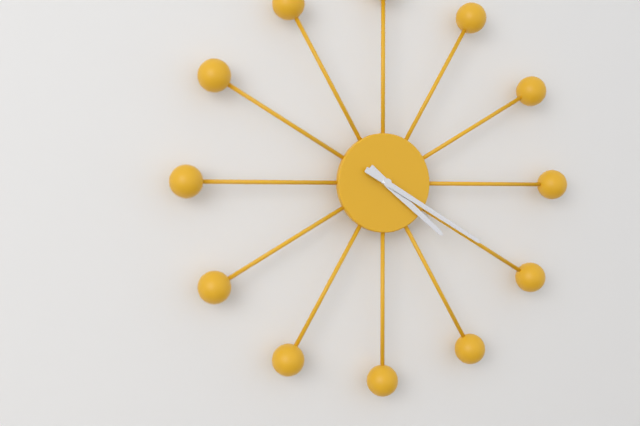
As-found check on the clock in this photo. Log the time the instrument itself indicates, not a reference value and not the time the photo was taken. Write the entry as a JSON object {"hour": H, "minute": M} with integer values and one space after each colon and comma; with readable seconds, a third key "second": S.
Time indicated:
{"hour": 4, "minute": 20}
